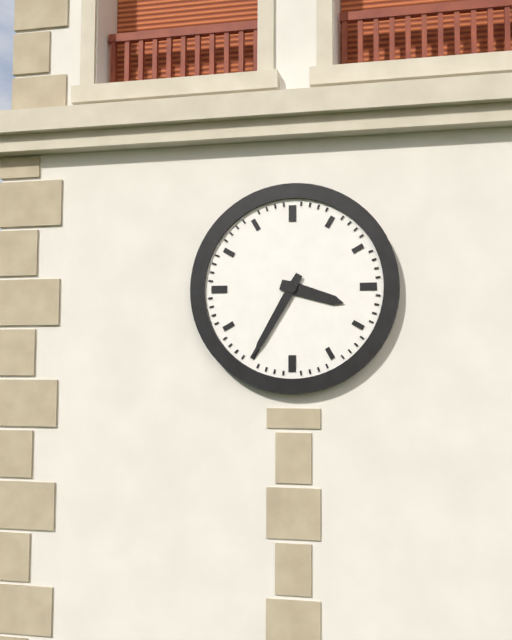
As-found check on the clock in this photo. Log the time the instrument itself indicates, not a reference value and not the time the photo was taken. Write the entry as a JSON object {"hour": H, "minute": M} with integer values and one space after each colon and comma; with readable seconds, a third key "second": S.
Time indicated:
{"hour": 3, "minute": 35}
